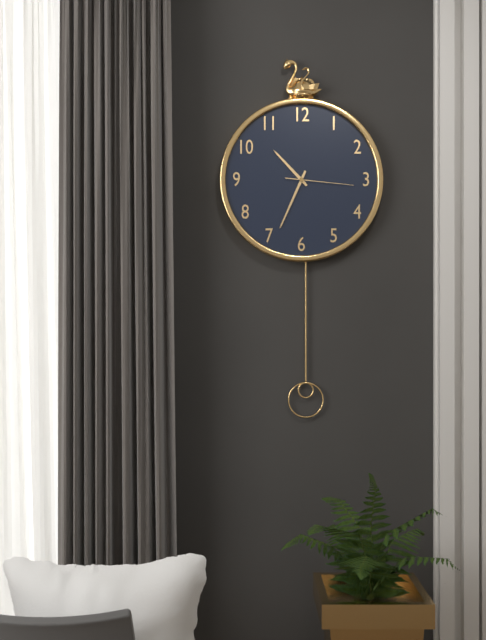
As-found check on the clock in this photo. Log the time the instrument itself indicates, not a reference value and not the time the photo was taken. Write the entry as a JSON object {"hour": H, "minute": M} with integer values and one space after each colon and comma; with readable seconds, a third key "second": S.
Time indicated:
{"hour": 10, "minute": 34, "second": 16}
